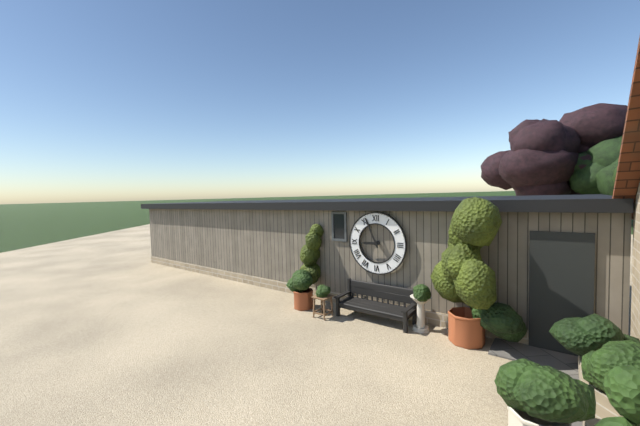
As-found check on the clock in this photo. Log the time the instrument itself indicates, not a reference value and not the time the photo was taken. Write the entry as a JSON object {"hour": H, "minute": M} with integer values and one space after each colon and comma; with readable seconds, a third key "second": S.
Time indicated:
{"hour": 8, "minute": 56}
